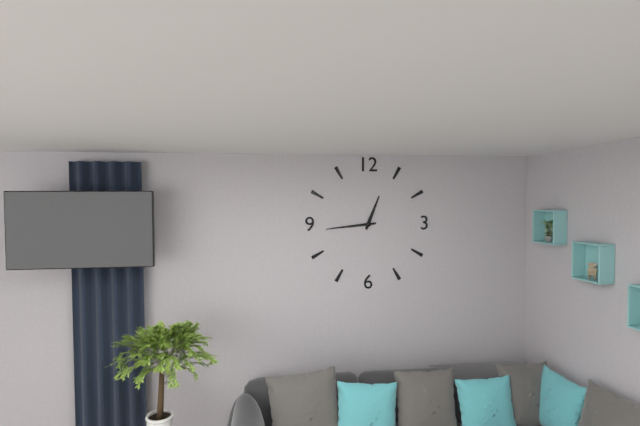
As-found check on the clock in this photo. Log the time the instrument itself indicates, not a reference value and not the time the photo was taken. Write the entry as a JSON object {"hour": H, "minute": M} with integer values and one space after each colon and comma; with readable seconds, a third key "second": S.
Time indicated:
{"hour": 12, "minute": 44}
